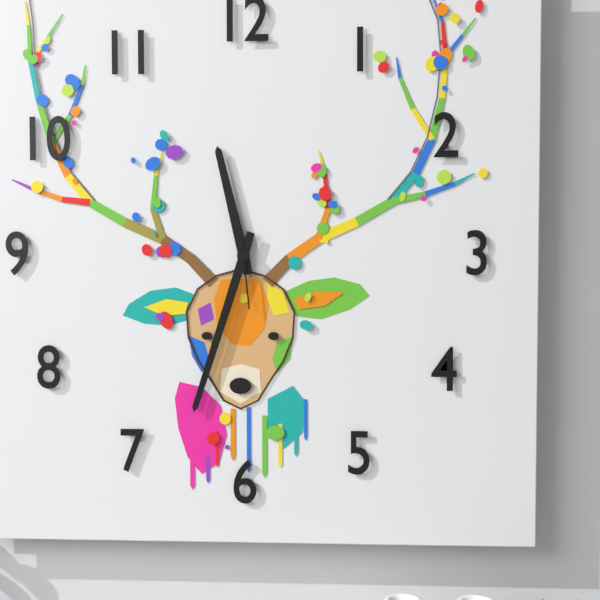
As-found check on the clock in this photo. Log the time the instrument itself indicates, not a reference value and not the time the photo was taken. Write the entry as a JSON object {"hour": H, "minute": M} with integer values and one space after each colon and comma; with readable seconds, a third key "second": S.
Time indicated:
{"hour": 11, "minute": 33, "second": 29}
